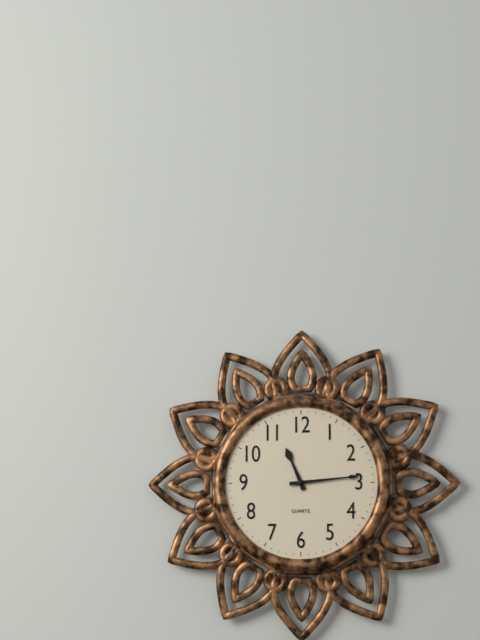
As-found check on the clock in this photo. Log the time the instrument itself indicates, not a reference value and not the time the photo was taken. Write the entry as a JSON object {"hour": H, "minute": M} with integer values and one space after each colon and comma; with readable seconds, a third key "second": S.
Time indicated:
{"hour": 11, "minute": 14}
